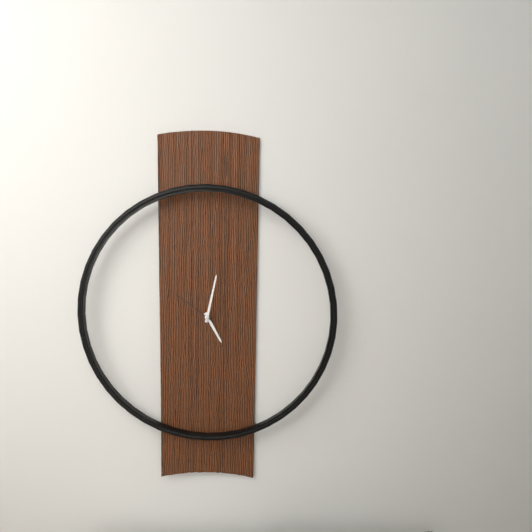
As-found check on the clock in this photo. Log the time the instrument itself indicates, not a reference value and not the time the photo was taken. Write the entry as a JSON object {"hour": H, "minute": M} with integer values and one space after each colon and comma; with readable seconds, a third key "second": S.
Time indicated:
{"hour": 5, "minute": 2}
